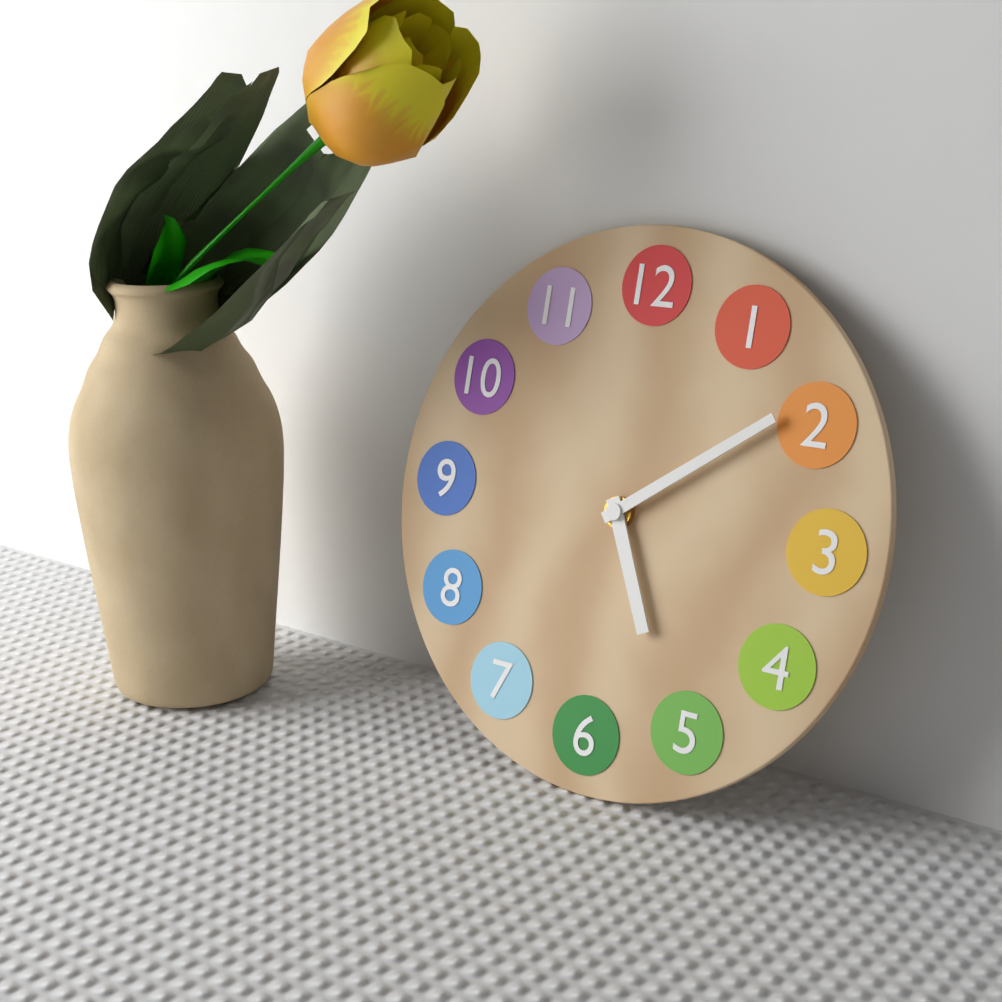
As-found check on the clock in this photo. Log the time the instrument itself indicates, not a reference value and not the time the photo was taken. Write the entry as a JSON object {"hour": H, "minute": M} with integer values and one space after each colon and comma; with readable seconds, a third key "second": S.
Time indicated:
{"hour": 5, "minute": 9}
